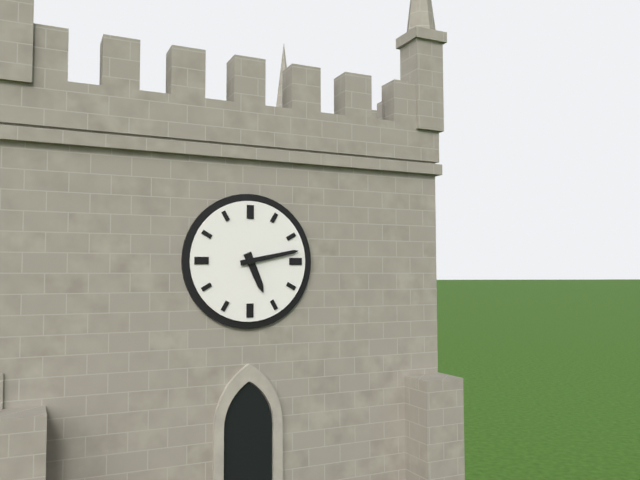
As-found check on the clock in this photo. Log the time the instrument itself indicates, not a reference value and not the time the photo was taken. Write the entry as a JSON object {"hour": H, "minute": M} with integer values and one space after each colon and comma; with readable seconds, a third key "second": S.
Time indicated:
{"hour": 5, "minute": 13}
